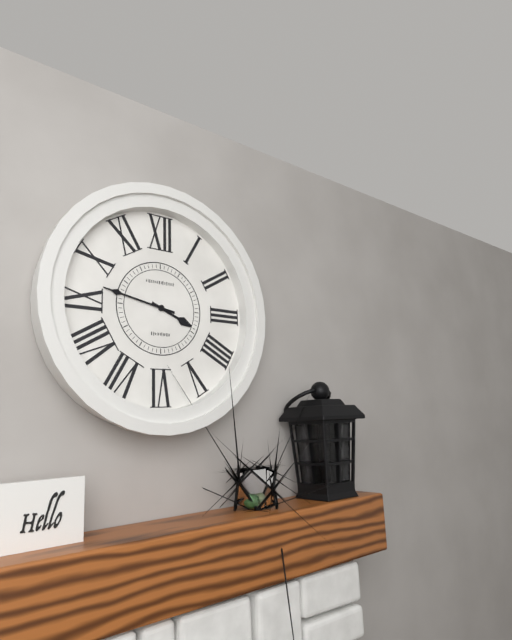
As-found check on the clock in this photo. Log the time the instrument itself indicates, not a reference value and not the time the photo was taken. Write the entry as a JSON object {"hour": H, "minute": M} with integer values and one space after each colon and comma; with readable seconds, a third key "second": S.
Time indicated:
{"hour": 3, "minute": 47}
